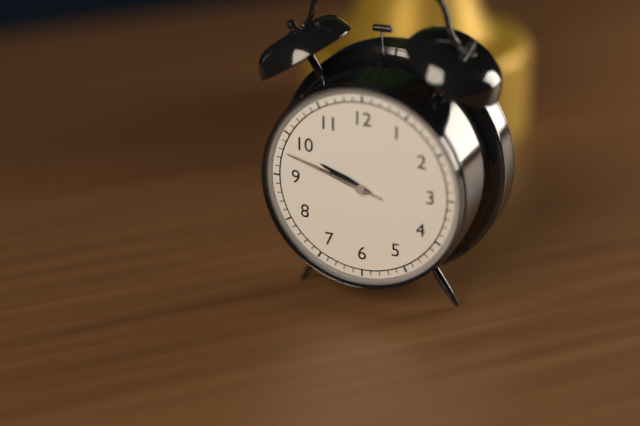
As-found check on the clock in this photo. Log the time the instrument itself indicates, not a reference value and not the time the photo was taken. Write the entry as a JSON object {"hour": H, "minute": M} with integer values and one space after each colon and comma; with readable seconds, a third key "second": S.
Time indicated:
{"hour": 9, "minute": 48, "second": 48}
